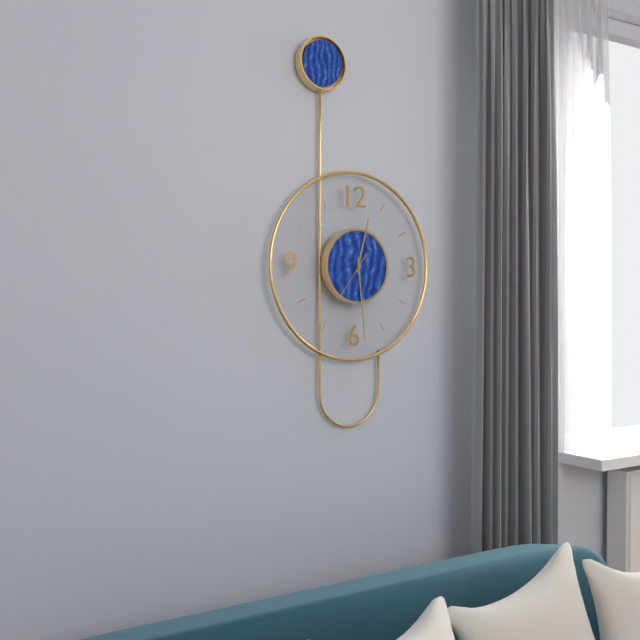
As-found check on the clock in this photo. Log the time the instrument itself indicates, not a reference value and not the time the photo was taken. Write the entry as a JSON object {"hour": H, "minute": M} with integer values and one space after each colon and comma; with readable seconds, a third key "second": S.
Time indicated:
{"hour": 12, "minute": 29, "second": 36}
